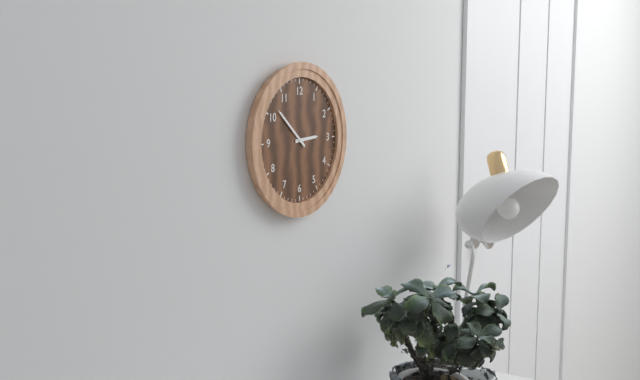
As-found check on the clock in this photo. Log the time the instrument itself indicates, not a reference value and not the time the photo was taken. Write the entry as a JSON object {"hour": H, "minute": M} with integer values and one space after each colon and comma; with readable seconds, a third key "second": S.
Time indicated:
{"hour": 2, "minute": 52}
